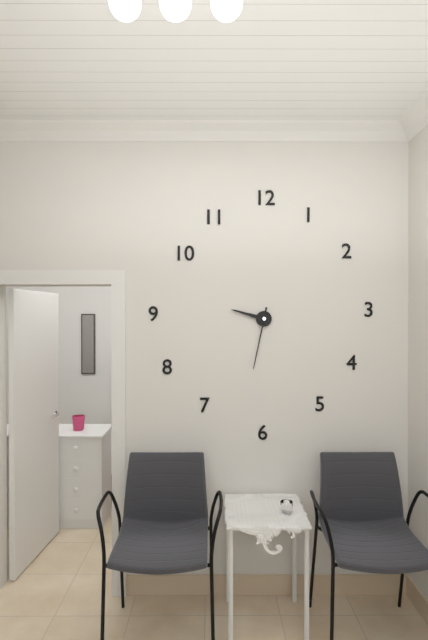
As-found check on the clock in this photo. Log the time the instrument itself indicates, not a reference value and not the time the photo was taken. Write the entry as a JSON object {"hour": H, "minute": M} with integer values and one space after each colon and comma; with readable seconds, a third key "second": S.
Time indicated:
{"hour": 9, "minute": 32}
